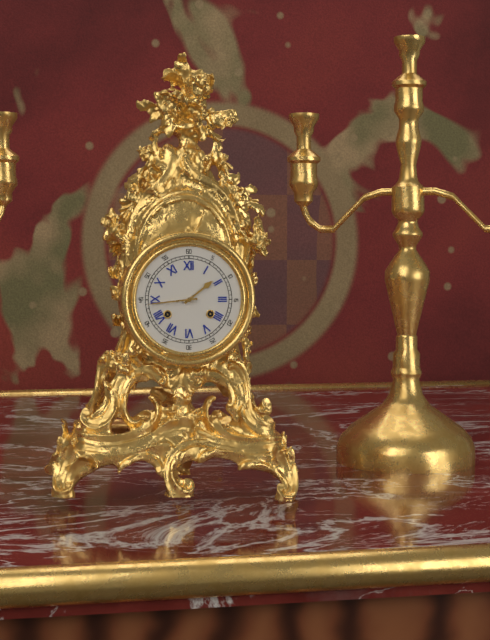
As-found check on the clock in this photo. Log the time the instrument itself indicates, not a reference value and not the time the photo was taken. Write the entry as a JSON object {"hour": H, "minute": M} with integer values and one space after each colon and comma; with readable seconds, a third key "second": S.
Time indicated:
{"hour": 1, "minute": 44}
